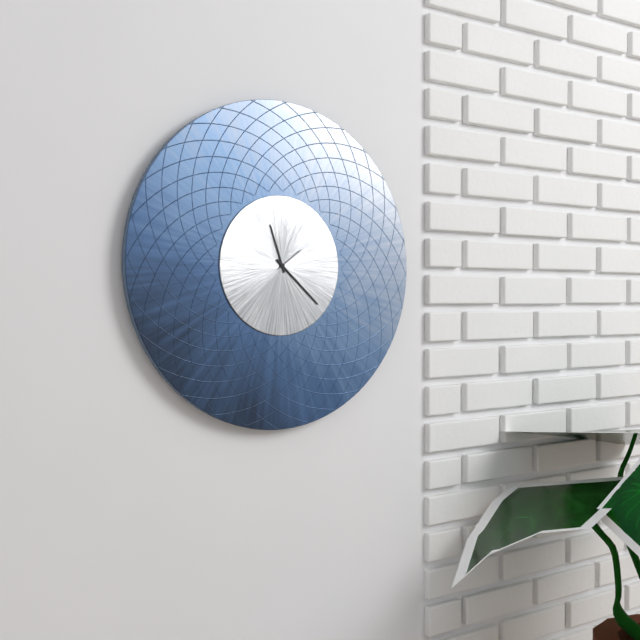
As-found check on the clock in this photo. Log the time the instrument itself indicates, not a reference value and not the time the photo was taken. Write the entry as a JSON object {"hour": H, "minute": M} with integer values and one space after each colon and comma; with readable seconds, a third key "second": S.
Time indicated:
{"hour": 11, "minute": 22}
